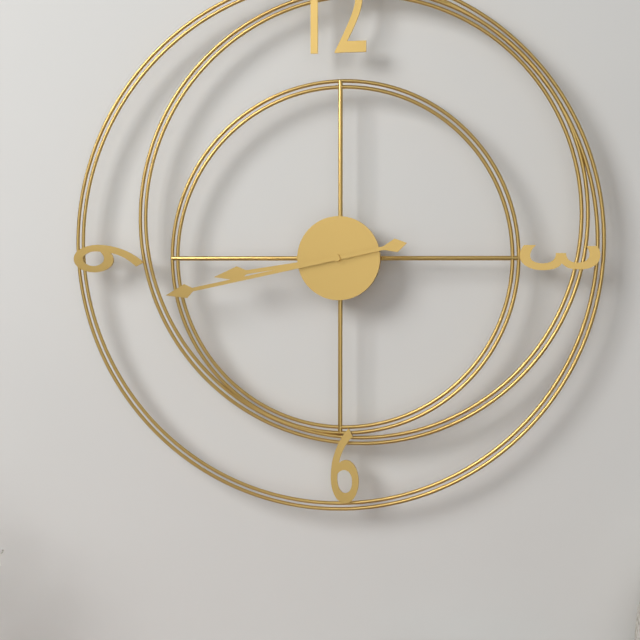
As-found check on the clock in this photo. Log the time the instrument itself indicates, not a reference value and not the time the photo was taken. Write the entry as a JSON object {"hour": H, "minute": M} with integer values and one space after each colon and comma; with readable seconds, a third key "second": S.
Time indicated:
{"hour": 8, "minute": 43}
